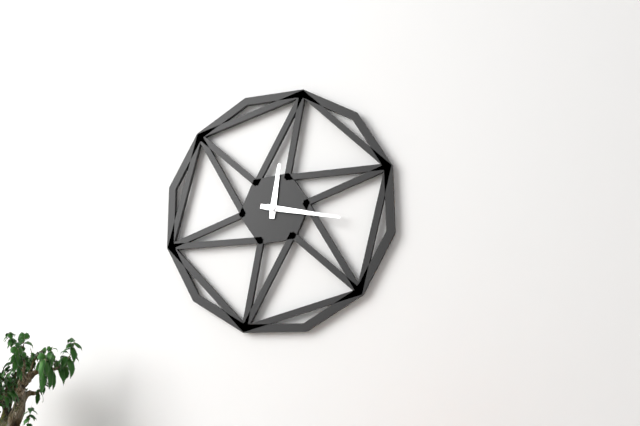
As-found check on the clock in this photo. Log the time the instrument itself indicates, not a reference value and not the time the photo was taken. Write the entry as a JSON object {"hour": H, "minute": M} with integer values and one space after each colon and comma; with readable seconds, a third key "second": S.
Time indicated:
{"hour": 12, "minute": 17}
